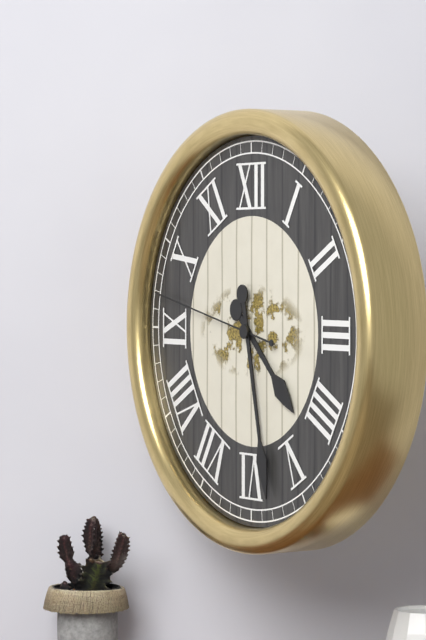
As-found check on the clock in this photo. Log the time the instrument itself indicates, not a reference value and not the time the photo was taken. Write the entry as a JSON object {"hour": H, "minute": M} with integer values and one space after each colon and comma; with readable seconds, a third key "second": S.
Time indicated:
{"hour": 4, "minute": 28, "second": 47}
